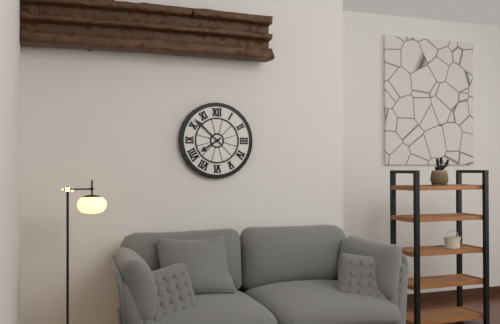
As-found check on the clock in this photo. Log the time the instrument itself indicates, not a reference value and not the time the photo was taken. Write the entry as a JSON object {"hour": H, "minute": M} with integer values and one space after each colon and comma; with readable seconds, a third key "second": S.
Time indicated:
{"hour": 7, "minute": 52}
